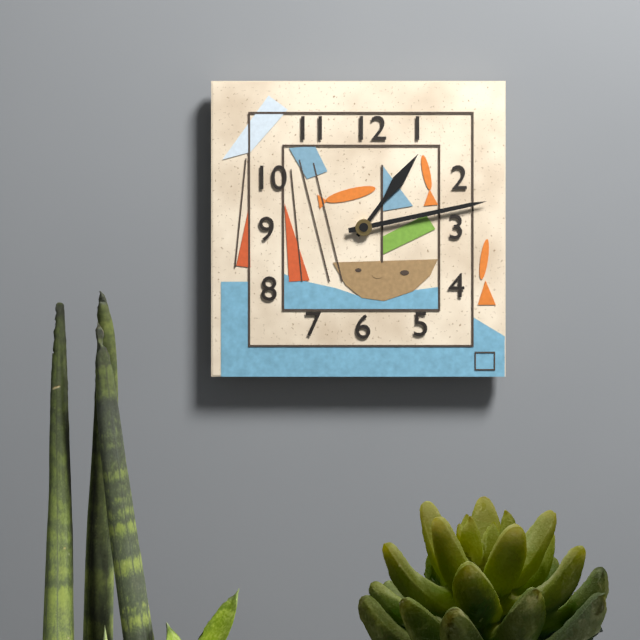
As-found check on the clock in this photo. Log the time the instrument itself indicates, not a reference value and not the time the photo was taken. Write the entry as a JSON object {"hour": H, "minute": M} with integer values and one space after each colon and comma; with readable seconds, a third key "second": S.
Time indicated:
{"hour": 1, "minute": 13}
